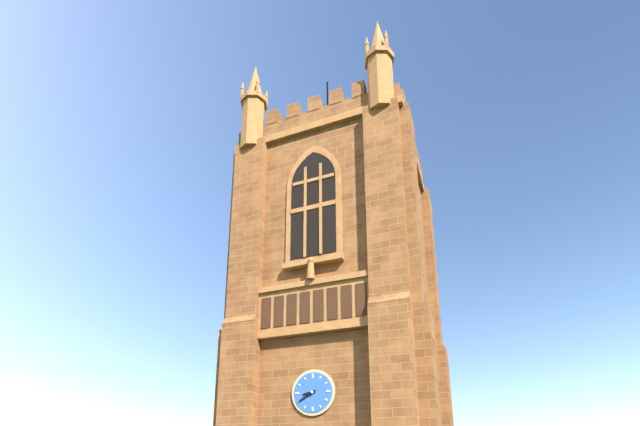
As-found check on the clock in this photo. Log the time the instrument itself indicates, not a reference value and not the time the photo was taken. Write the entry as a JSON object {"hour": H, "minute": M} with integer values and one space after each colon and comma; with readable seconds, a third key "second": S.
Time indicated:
{"hour": 8, "minute": 40}
